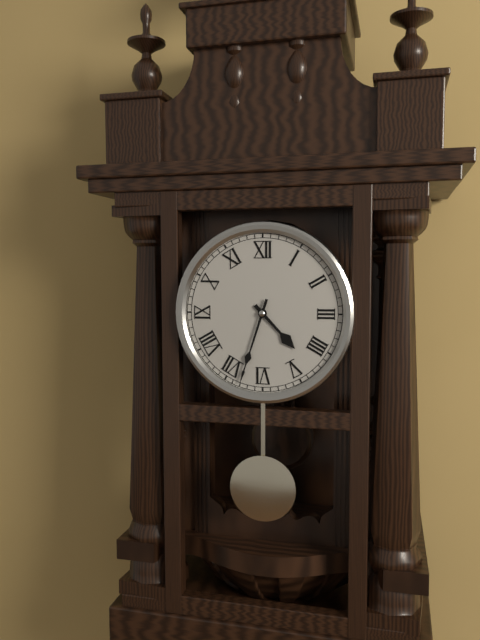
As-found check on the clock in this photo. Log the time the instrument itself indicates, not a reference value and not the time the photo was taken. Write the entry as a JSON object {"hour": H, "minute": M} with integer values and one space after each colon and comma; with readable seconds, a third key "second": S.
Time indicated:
{"hour": 4, "minute": 33}
